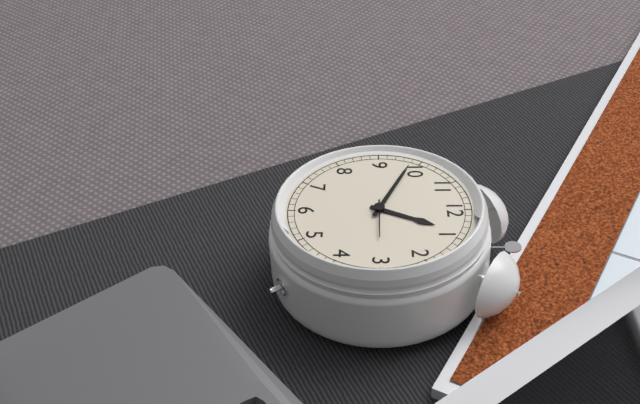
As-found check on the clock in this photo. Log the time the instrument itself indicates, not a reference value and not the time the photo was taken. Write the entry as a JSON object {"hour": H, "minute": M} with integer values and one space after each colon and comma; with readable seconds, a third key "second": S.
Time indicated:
{"hour": 12, "minute": 49}
